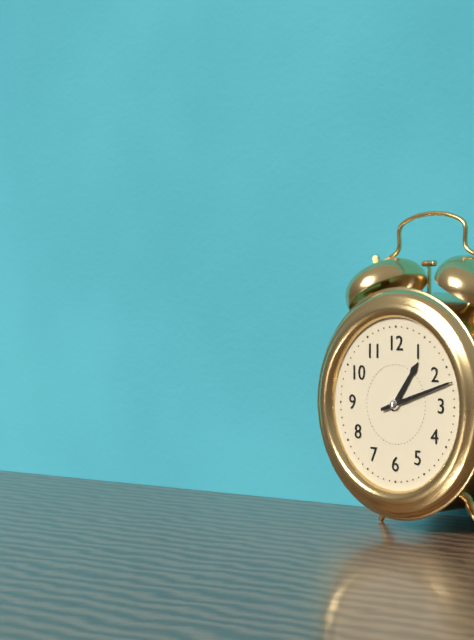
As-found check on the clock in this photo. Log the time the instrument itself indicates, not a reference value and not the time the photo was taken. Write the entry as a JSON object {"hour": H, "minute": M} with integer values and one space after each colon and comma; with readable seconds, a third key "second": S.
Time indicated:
{"hour": 1, "minute": 12}
